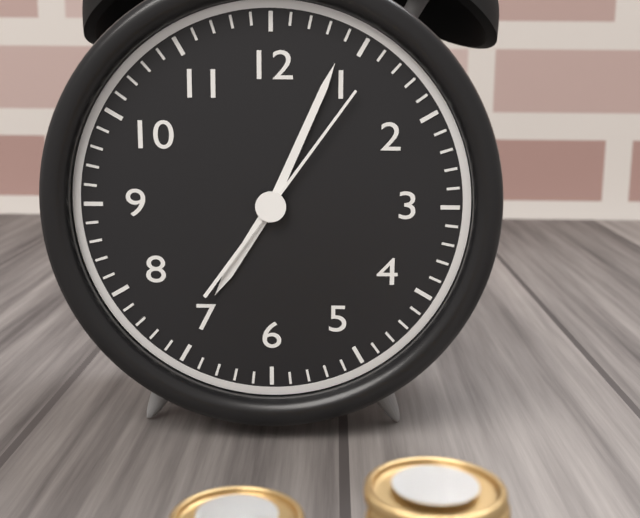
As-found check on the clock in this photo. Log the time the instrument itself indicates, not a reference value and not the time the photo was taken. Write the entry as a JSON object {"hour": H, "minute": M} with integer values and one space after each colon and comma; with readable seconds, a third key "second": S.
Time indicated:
{"hour": 7, "minute": 4, "second": 6}
